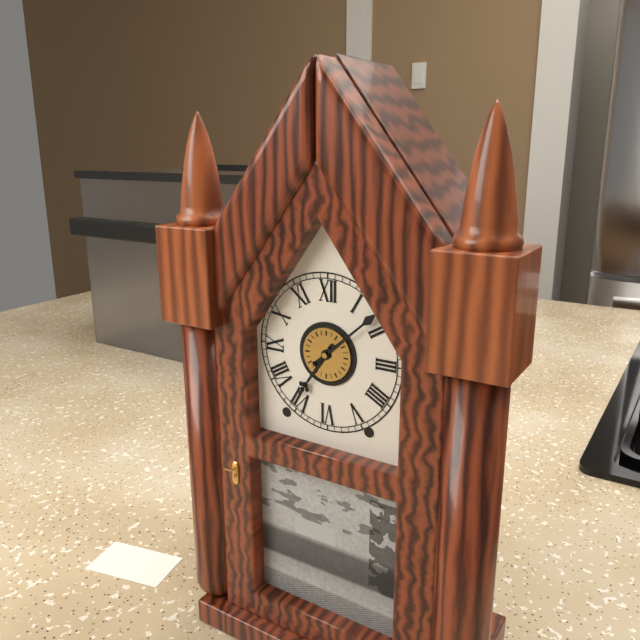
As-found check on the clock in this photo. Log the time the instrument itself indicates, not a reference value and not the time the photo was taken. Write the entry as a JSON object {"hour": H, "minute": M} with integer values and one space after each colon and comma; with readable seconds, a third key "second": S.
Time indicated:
{"hour": 7, "minute": 8}
